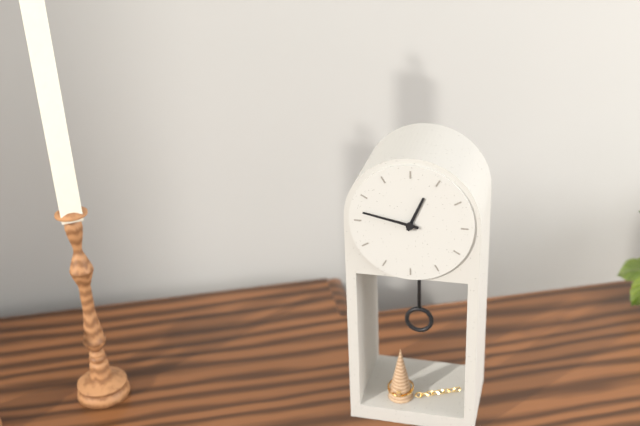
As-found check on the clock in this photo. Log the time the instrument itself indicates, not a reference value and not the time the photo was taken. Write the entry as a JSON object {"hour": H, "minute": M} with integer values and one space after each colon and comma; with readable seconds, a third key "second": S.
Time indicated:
{"hour": 12, "minute": 47}
